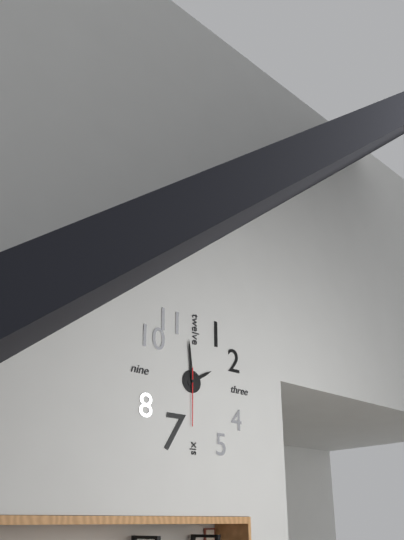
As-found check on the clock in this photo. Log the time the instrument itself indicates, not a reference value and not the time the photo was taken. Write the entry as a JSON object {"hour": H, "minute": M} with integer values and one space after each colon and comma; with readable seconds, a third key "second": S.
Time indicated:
{"hour": 1, "minute": 59, "second": 30}
